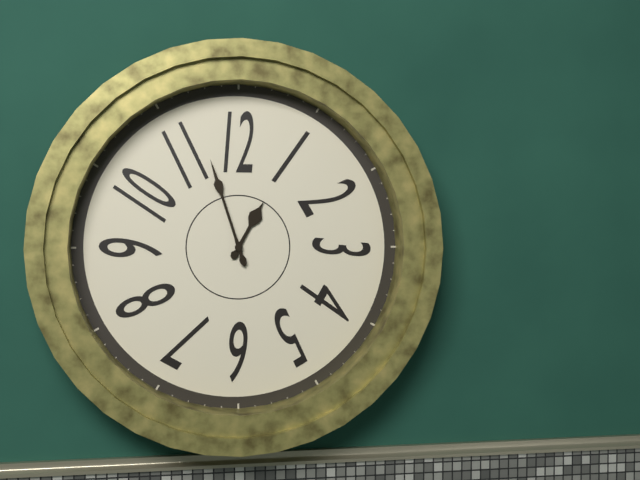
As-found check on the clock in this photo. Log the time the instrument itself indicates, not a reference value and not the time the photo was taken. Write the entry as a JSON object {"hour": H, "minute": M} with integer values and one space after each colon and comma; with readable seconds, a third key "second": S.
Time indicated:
{"hour": 12, "minute": 57}
